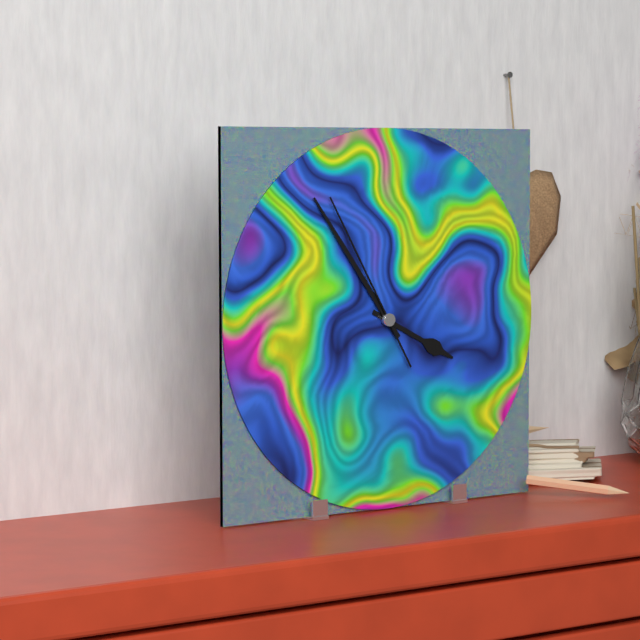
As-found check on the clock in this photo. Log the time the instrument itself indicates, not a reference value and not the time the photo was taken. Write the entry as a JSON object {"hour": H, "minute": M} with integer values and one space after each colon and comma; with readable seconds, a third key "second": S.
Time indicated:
{"hour": 3, "minute": 54, "second": 55}
